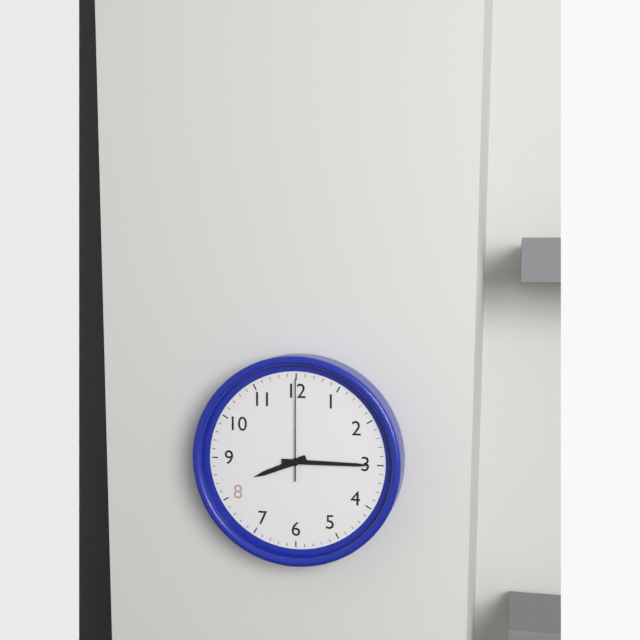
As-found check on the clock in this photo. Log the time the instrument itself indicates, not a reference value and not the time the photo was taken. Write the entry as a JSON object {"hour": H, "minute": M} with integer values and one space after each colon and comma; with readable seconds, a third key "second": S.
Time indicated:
{"hour": 8, "minute": 15, "second": 0}
